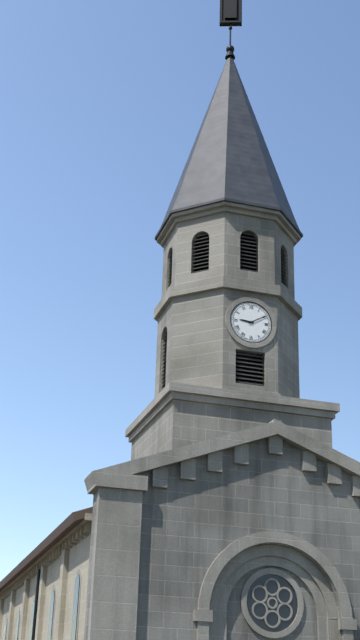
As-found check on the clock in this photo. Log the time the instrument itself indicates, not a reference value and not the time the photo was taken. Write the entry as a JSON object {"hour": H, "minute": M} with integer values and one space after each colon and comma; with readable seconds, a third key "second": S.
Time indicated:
{"hour": 9, "minute": 10}
